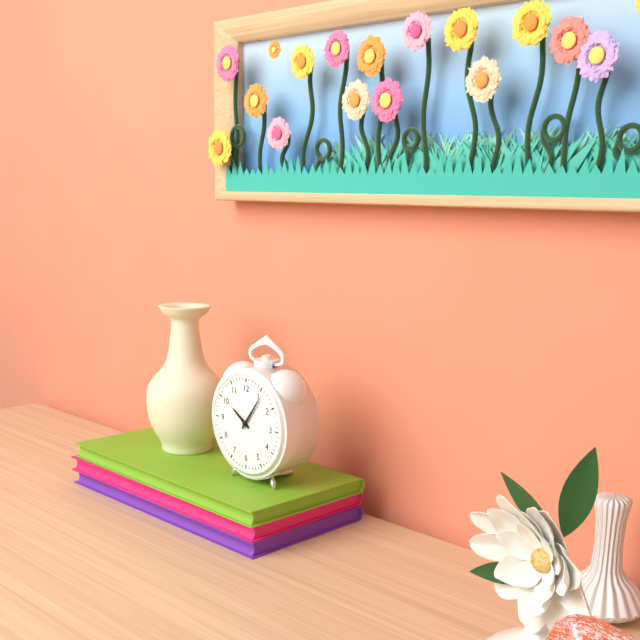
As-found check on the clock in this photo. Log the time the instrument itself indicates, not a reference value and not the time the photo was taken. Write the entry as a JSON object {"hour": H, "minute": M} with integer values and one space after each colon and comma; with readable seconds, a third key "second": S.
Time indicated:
{"hour": 10, "minute": 6}
